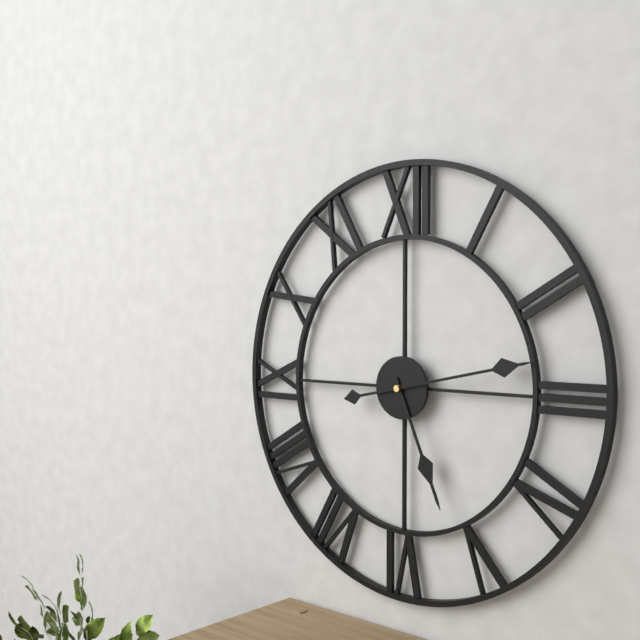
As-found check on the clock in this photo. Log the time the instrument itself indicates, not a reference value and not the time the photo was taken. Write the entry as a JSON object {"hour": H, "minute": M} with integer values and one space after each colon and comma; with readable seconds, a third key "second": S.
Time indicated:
{"hour": 5, "minute": 13}
